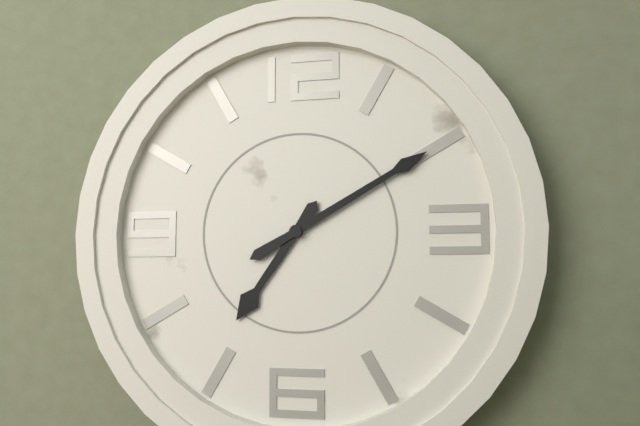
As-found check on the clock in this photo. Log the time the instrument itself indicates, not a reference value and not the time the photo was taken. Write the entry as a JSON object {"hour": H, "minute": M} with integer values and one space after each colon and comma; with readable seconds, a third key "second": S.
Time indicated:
{"hour": 7, "minute": 10}
